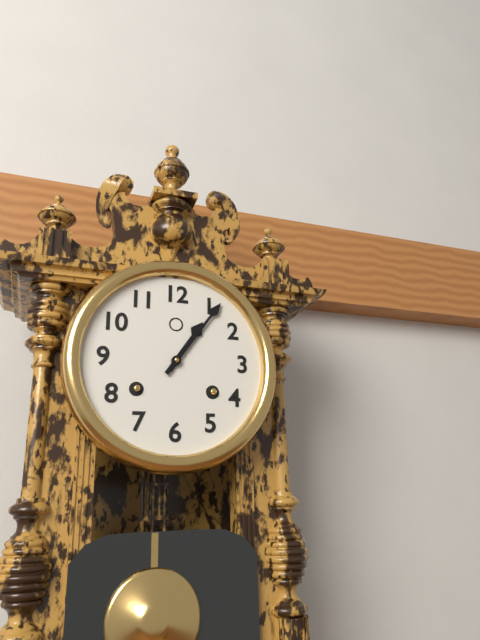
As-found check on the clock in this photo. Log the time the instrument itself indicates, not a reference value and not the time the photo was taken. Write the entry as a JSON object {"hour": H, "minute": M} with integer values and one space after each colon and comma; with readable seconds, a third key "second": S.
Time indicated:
{"hour": 1, "minute": 6}
